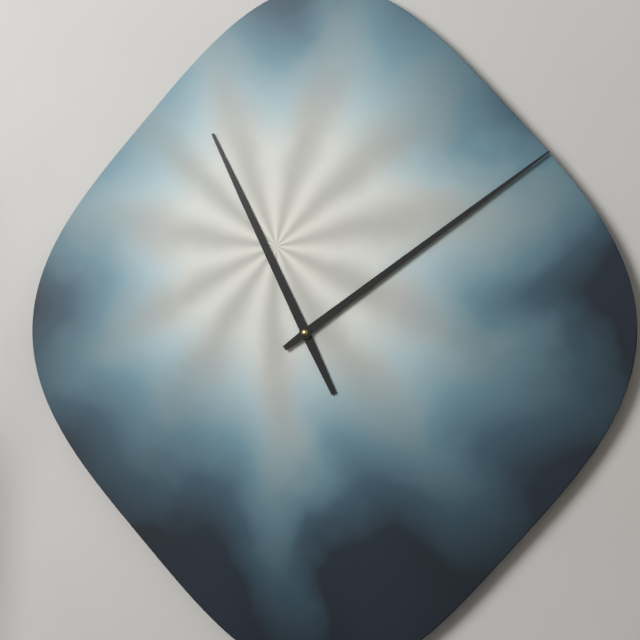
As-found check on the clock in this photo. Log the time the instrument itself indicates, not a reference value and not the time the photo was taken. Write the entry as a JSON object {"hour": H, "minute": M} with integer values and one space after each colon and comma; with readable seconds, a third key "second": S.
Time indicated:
{"hour": 11, "minute": 9}
